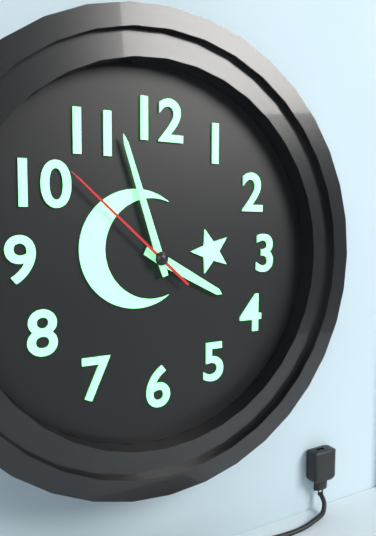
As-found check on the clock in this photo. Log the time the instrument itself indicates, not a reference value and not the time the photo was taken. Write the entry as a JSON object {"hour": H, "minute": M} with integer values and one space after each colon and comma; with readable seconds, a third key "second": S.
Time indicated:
{"hour": 3, "minute": 57, "second": 52}
